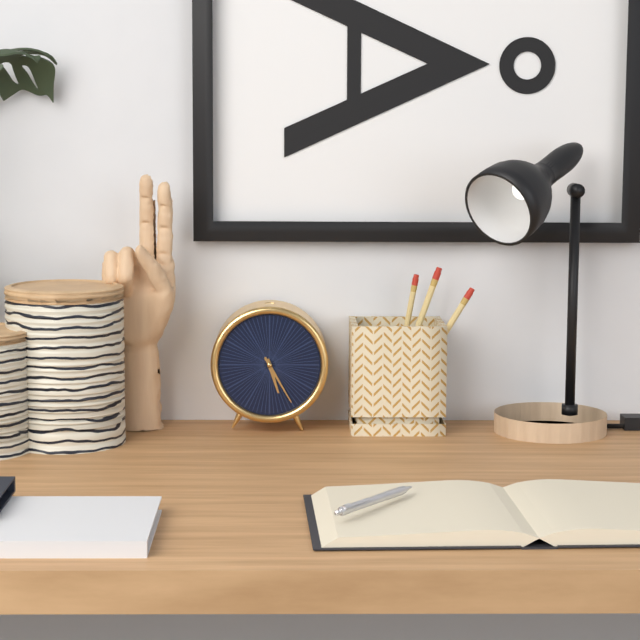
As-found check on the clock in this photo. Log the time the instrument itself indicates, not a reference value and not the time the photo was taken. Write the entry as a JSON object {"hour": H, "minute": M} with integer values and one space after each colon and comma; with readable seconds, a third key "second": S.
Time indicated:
{"hour": 5, "minute": 25}
